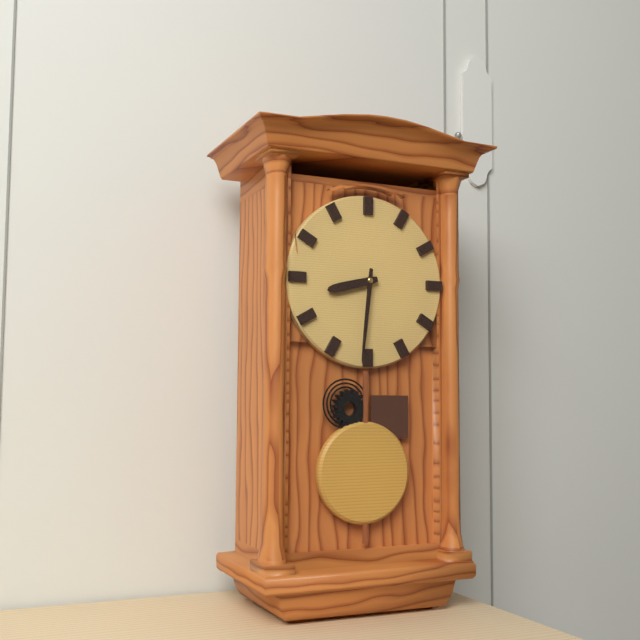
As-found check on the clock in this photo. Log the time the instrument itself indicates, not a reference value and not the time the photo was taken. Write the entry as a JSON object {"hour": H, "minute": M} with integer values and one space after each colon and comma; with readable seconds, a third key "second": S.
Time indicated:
{"hour": 8, "minute": 31}
